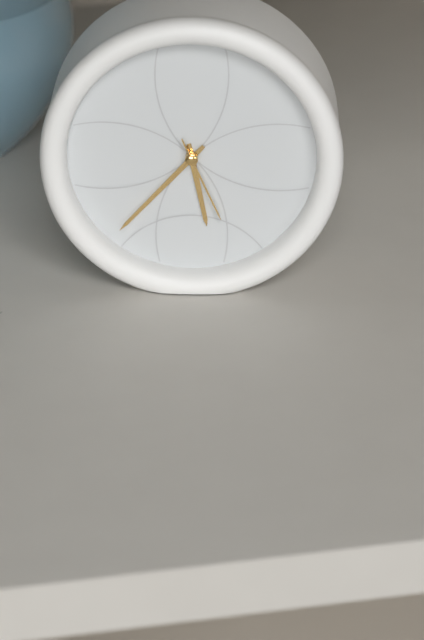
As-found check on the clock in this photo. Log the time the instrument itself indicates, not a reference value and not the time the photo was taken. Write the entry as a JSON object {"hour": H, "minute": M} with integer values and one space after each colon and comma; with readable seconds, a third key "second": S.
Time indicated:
{"hour": 5, "minute": 37, "second": 26}
